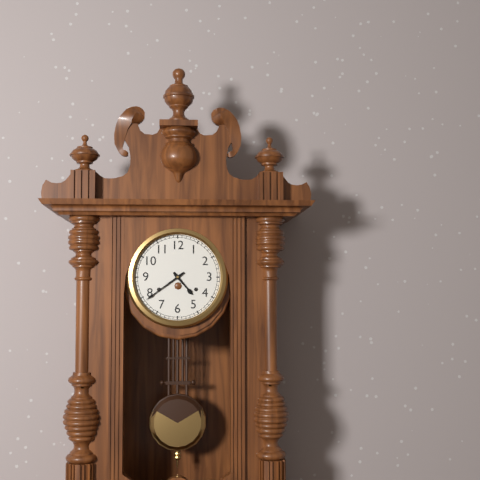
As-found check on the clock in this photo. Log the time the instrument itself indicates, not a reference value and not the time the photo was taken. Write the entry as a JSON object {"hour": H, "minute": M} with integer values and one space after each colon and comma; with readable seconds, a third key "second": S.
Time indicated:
{"hour": 4, "minute": 39}
